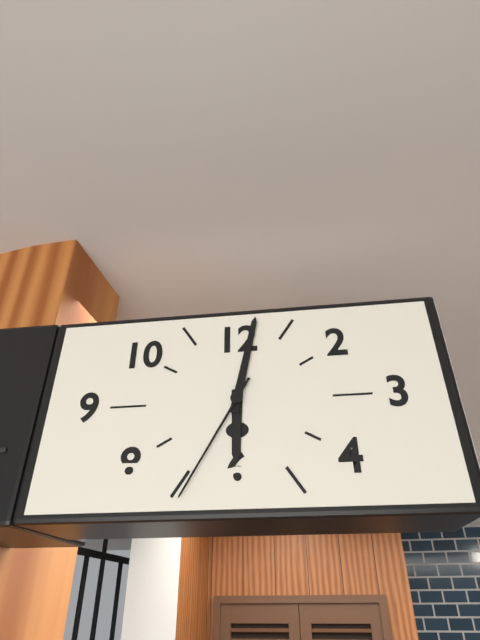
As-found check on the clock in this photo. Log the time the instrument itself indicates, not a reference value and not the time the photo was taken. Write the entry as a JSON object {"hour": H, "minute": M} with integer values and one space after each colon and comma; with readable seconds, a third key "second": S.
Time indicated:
{"hour": 6, "minute": 2, "second": 35}
